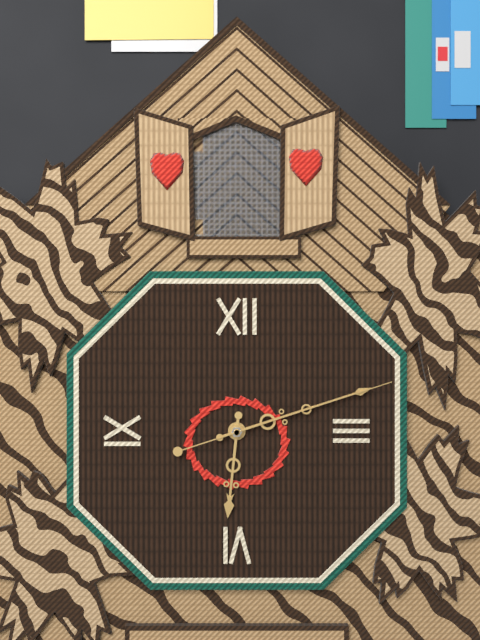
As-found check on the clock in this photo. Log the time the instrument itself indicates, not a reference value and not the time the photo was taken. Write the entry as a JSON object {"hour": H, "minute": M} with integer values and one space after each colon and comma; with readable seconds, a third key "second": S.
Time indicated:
{"hour": 6, "minute": 12, "second": 12}
